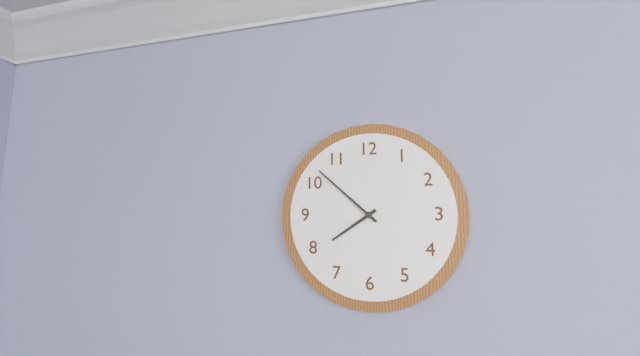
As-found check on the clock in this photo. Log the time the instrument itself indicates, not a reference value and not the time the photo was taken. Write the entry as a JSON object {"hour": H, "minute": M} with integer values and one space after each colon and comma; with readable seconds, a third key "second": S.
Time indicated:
{"hour": 7, "minute": 52}
